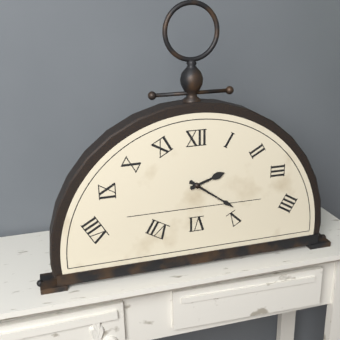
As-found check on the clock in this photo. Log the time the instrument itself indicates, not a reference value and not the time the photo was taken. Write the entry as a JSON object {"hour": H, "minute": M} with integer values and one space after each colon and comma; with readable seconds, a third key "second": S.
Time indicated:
{"hour": 2, "minute": 21}
